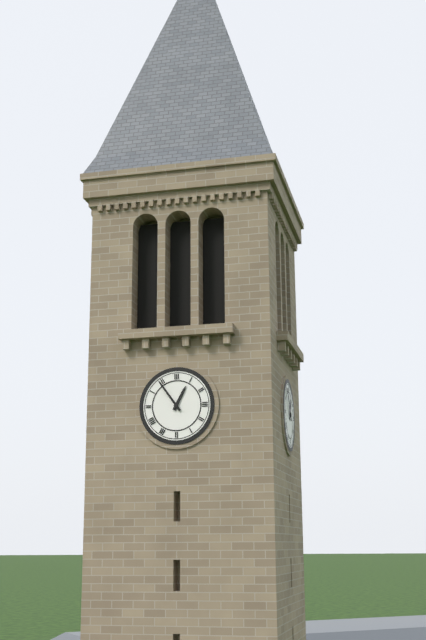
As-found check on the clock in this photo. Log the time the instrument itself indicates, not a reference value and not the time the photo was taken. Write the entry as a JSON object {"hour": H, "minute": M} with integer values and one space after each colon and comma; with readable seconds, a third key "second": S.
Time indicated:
{"hour": 12, "minute": 54}
